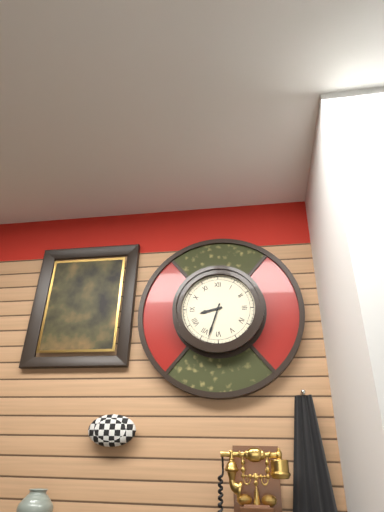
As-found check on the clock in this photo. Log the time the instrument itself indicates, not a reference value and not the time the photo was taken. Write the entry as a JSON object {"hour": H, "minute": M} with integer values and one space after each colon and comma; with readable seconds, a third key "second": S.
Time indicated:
{"hour": 8, "minute": 33}
